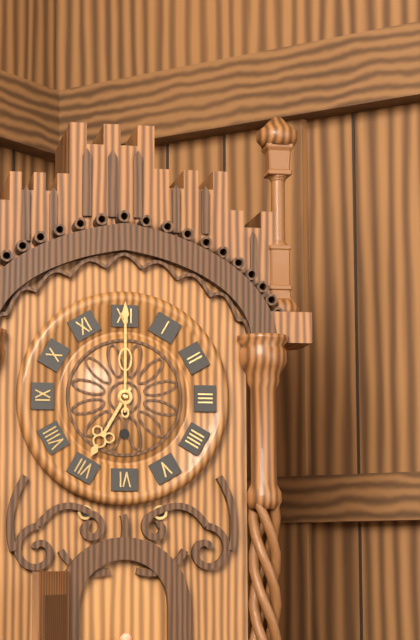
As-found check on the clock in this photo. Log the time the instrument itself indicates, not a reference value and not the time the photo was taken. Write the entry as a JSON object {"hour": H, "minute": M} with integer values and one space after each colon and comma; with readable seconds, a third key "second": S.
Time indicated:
{"hour": 7, "minute": 0}
